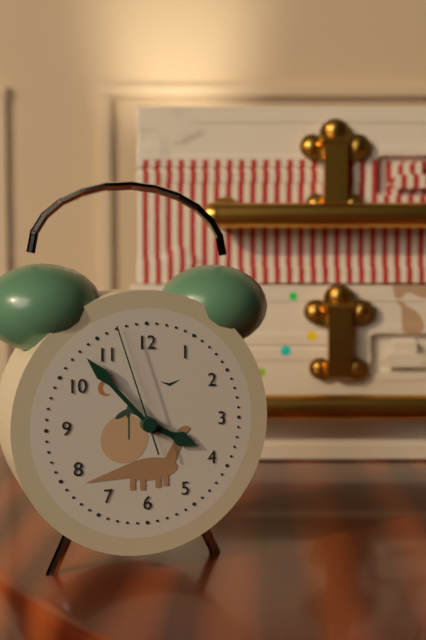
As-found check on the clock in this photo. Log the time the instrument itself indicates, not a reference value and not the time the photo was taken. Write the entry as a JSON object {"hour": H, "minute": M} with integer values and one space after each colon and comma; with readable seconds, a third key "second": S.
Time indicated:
{"hour": 3, "minute": 53, "second": 57}
